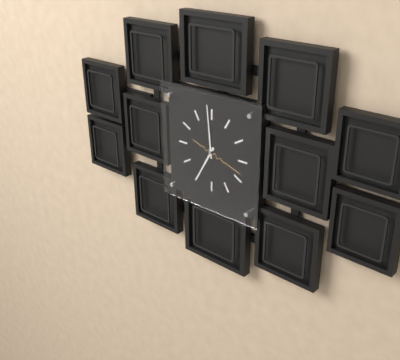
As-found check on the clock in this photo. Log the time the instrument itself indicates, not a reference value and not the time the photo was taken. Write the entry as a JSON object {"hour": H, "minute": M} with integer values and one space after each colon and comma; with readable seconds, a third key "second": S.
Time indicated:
{"hour": 6, "minute": 59}
